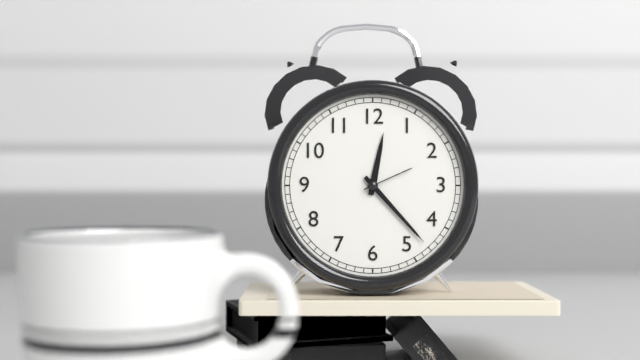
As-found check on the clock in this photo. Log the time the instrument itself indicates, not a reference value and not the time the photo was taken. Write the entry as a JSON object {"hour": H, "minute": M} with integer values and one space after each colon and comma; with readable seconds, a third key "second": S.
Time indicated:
{"hour": 12, "minute": 23, "second": 11}
